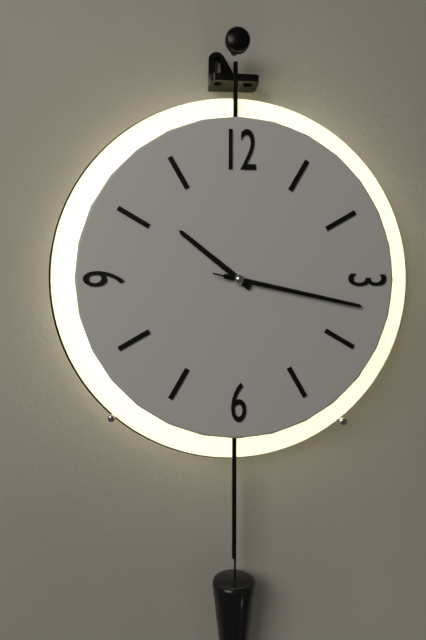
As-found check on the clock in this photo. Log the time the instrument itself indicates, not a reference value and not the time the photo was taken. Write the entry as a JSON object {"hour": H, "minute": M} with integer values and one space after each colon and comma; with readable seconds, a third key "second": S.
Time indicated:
{"hour": 10, "minute": 17, "second": 17}
